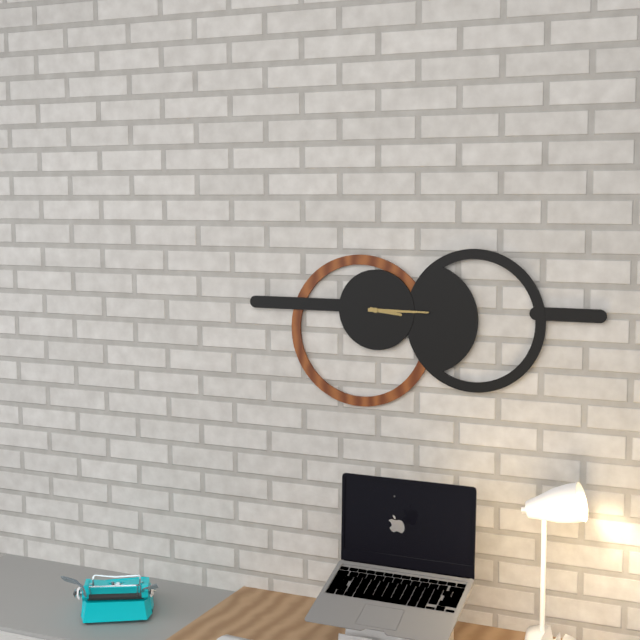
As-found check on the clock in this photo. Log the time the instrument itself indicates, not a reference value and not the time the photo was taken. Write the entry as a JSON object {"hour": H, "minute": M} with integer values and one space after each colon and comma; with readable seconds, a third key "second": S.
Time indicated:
{"hour": 3, "minute": 15}
